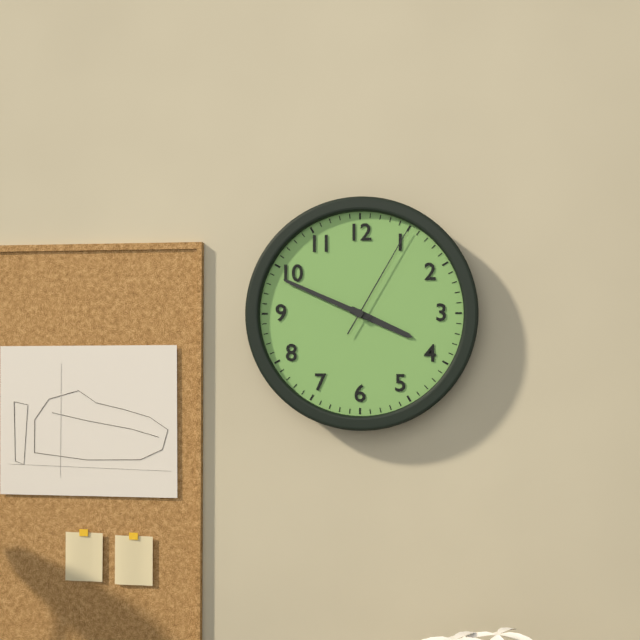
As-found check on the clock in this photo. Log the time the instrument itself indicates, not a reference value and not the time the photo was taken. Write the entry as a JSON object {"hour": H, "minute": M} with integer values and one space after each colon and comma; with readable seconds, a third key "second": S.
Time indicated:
{"hour": 3, "minute": 49, "second": 5}
